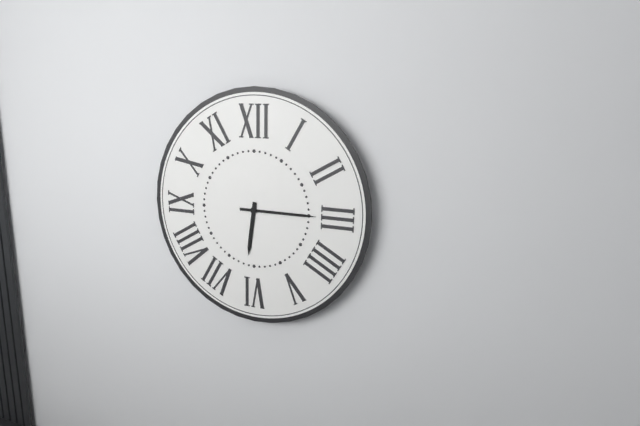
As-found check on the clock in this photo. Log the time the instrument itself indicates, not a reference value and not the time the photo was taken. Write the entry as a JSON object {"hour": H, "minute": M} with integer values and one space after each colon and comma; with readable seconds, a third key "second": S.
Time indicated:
{"hour": 6, "minute": 15}
